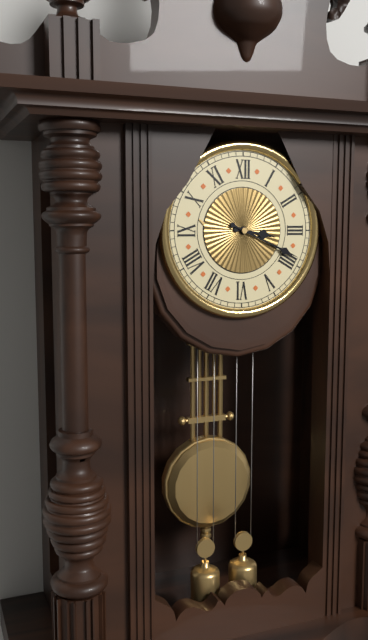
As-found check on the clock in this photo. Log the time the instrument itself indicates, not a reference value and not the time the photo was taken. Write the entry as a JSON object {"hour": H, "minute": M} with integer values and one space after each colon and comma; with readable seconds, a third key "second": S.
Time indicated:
{"hour": 3, "minute": 19}
